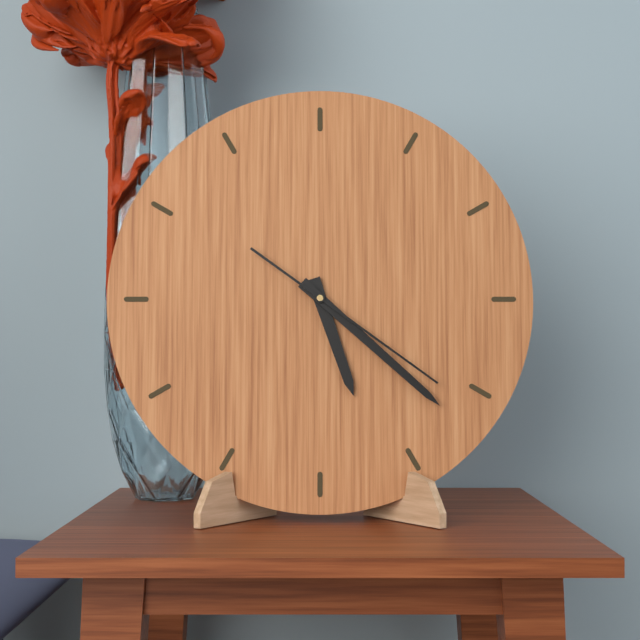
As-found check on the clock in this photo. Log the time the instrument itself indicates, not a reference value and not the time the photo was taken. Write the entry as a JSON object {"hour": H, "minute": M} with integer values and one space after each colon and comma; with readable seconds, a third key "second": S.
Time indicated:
{"hour": 5, "minute": 22, "second": 21}
